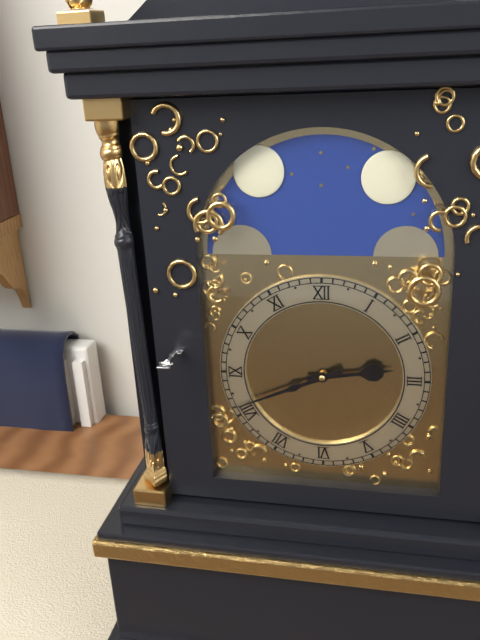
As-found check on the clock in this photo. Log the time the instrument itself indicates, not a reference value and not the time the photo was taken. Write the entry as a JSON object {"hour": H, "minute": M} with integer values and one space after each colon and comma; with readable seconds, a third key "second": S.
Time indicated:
{"hour": 2, "minute": 41}
